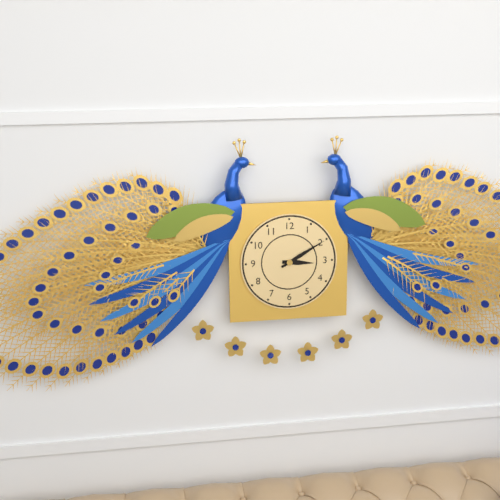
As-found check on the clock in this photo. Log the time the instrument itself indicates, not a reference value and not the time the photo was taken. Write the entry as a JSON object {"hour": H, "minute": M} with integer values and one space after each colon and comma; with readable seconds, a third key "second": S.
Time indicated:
{"hour": 3, "minute": 10}
